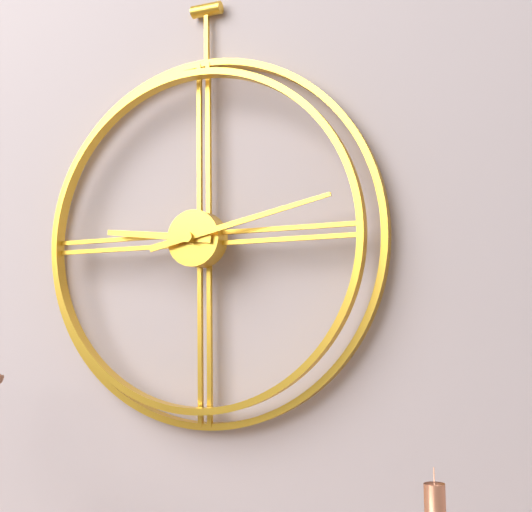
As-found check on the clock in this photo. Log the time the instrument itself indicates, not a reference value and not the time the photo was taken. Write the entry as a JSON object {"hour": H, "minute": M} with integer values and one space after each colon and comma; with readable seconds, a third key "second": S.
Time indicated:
{"hour": 9, "minute": 13}
